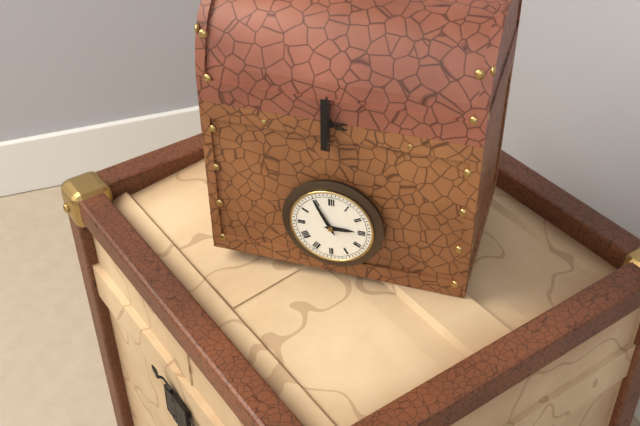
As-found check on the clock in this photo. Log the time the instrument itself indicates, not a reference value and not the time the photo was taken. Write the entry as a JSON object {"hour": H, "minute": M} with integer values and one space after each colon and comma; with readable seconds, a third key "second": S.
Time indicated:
{"hour": 2, "minute": 55}
